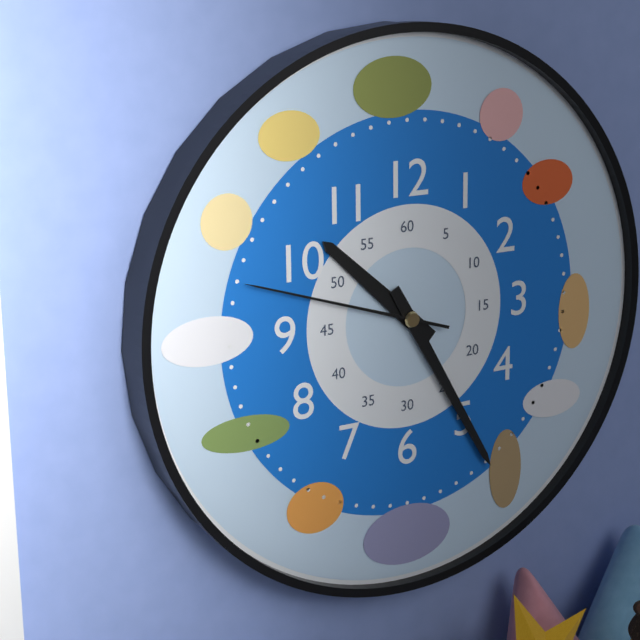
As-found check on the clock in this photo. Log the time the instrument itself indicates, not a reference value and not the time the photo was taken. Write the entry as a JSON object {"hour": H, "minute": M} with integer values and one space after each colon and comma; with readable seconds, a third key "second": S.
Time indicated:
{"hour": 10, "minute": 25, "second": 48}
